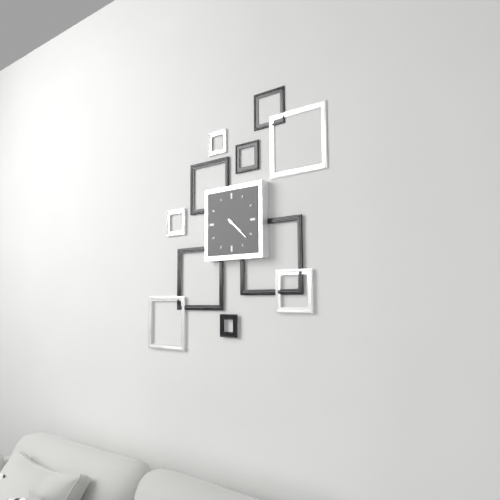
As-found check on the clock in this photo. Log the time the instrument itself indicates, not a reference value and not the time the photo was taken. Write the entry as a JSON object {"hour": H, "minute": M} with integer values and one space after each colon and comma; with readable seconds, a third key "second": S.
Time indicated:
{"hour": 4, "minute": 22}
